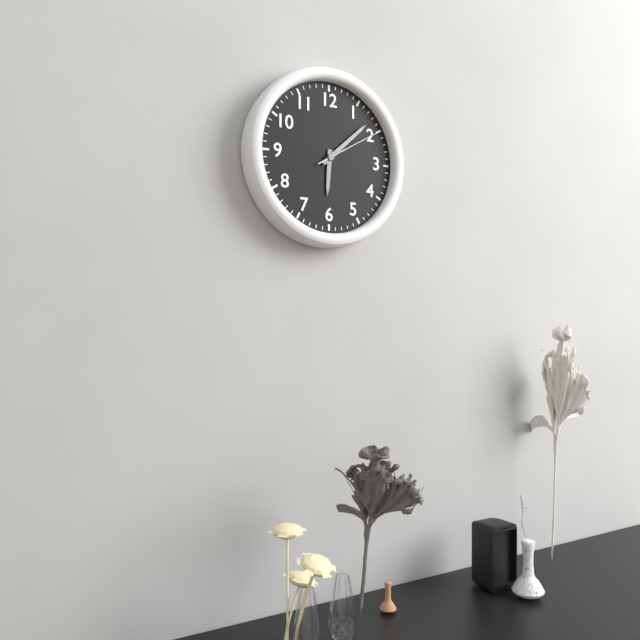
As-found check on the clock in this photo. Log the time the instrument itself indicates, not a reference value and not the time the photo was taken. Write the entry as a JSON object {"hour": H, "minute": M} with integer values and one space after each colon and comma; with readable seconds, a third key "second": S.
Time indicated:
{"hour": 6, "minute": 8, "second": 10}
